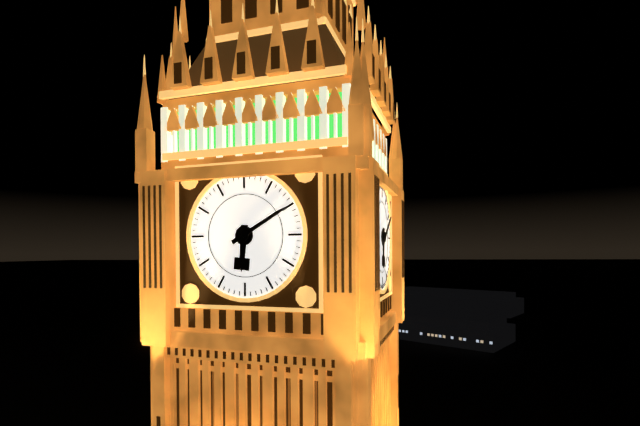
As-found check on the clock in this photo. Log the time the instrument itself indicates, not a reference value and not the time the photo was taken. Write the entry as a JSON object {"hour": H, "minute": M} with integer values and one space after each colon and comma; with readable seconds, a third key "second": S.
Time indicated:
{"hour": 6, "minute": 10}
